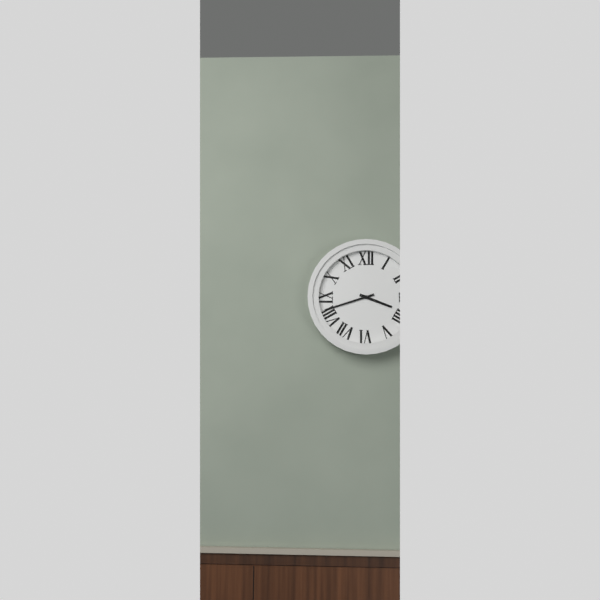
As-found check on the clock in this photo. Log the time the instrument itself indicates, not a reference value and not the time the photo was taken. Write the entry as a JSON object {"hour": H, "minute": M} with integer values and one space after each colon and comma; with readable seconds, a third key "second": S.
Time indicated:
{"hour": 3, "minute": 42}
